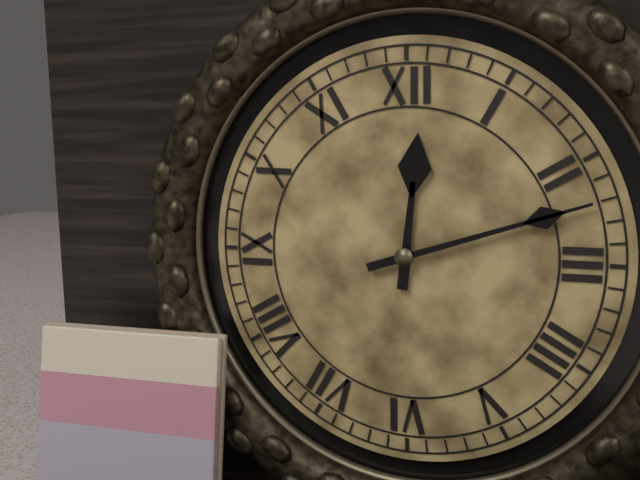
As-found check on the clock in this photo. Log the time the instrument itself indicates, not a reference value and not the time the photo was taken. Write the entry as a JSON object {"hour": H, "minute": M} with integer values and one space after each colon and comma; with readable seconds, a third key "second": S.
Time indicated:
{"hour": 12, "minute": 12}
